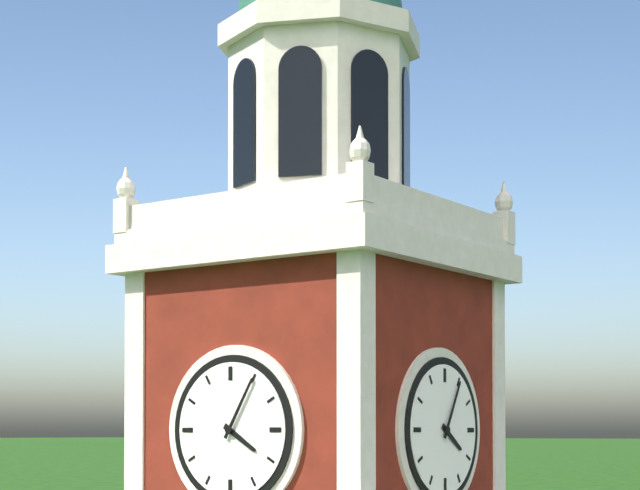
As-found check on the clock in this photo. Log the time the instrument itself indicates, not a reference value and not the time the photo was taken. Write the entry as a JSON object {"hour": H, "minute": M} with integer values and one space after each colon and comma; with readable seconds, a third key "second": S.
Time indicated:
{"hour": 4, "minute": 5}
